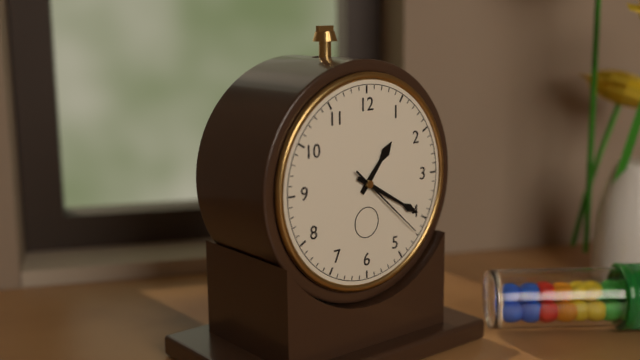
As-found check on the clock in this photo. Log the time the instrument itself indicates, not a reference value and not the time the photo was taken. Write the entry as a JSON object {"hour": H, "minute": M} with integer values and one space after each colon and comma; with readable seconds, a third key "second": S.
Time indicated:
{"hour": 1, "minute": 20, "second": 22}
